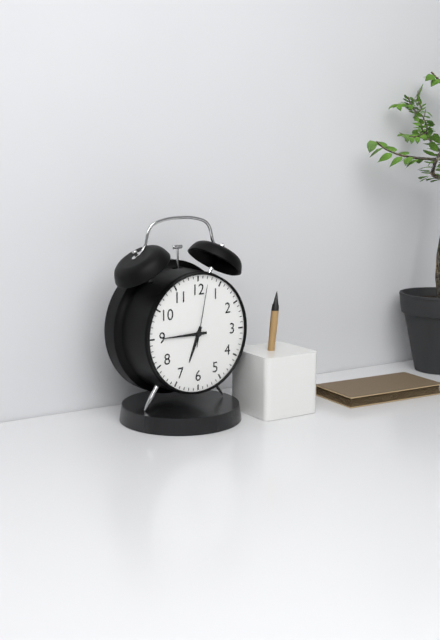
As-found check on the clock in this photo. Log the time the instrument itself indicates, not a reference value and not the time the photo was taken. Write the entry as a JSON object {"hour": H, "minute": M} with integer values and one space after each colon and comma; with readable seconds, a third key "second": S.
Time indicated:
{"hour": 6, "minute": 45, "second": 2}
